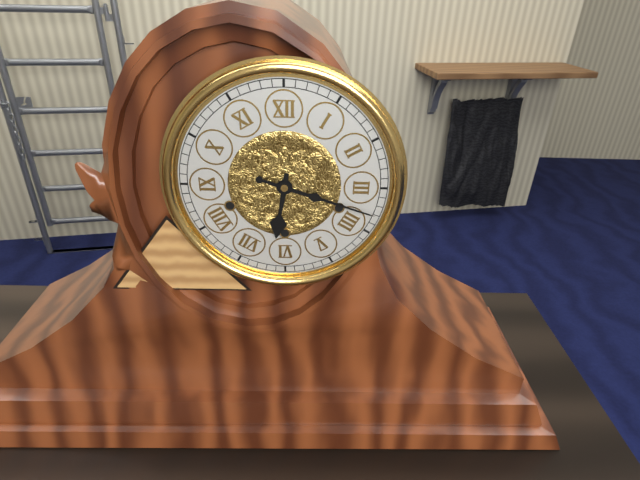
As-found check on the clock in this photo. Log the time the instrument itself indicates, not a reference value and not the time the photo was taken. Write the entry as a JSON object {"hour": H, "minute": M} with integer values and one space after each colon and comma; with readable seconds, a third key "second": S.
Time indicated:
{"hour": 6, "minute": 18}
